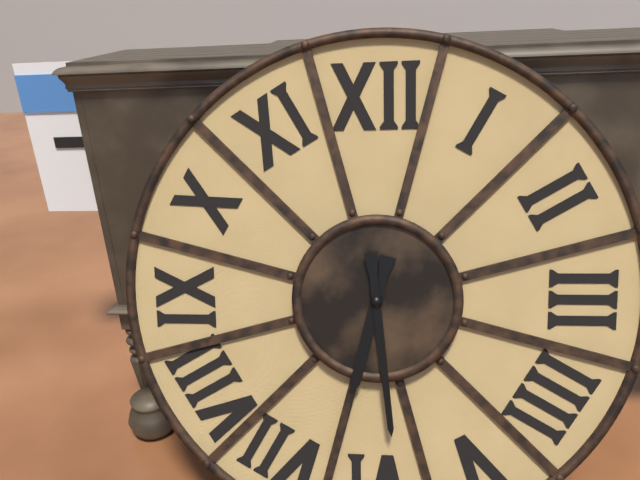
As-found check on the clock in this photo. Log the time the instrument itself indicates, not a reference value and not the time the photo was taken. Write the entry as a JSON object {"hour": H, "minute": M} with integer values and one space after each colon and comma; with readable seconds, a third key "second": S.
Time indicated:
{"hour": 6, "minute": 29}
